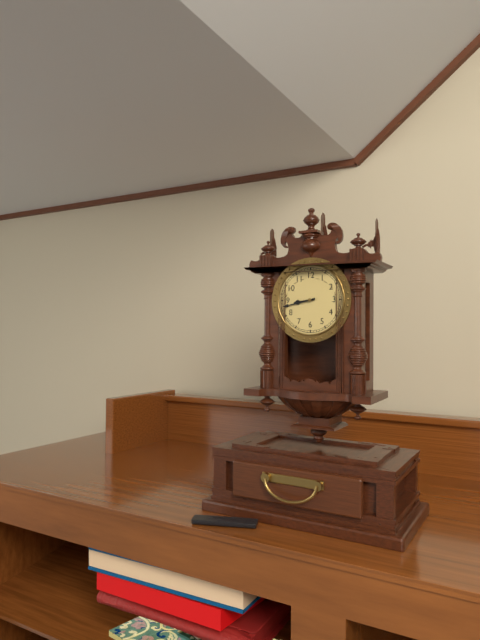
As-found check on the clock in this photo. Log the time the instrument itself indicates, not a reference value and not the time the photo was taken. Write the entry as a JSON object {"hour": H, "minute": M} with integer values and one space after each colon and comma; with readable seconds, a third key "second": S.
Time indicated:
{"hour": 8, "minute": 43}
